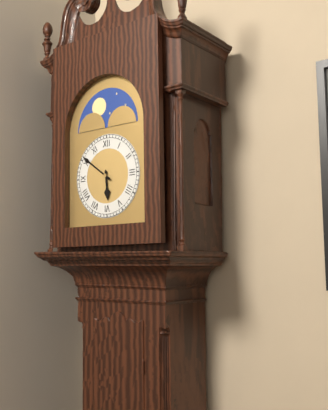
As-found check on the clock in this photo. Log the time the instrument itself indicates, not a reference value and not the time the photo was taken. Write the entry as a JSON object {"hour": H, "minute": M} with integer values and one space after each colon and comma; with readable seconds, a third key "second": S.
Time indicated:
{"hour": 5, "minute": 51}
